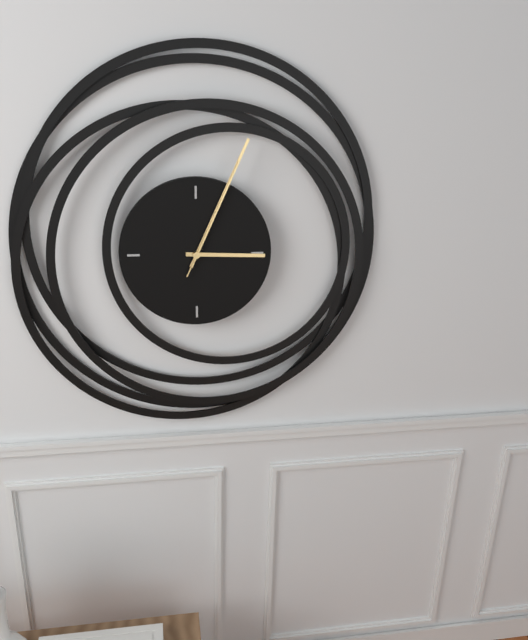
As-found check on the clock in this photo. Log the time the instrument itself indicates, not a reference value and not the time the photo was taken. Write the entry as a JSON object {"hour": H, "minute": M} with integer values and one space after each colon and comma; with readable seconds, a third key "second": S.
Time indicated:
{"hour": 3, "minute": 4, "second": 4}
